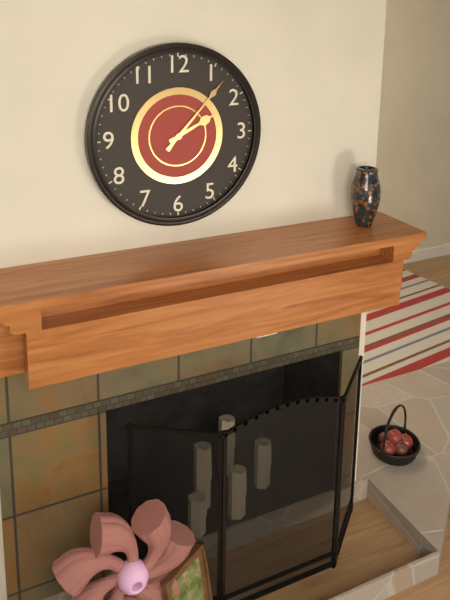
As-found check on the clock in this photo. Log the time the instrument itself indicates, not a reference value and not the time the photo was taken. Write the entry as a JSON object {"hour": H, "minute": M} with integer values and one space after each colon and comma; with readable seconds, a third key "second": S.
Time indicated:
{"hour": 2, "minute": 7}
